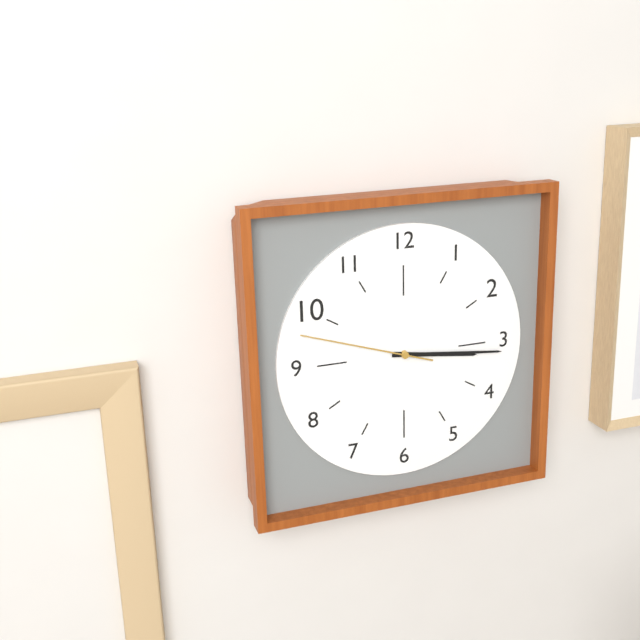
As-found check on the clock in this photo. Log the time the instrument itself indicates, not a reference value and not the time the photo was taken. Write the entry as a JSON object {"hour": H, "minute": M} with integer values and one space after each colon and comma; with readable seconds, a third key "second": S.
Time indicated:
{"hour": 3, "minute": 16, "second": 48}
